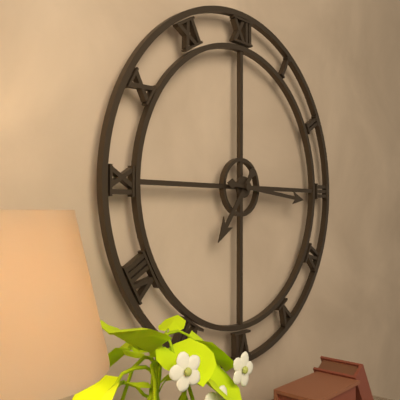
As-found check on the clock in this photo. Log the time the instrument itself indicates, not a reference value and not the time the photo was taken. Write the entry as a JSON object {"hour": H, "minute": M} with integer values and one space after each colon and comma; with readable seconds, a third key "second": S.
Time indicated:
{"hour": 7, "minute": 16}
